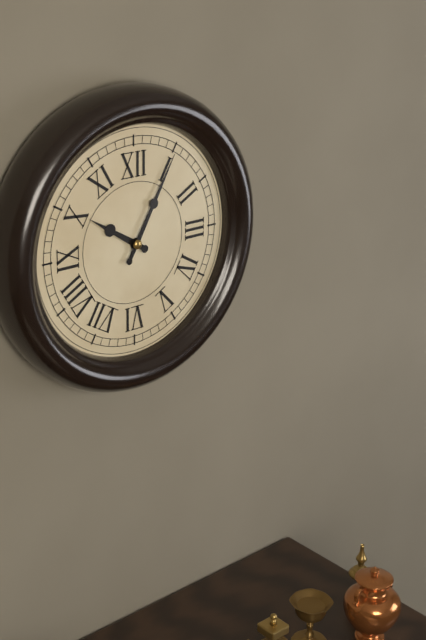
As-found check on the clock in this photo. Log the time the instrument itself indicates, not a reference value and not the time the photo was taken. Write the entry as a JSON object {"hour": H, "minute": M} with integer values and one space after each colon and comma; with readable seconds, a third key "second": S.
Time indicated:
{"hour": 10, "minute": 5}
